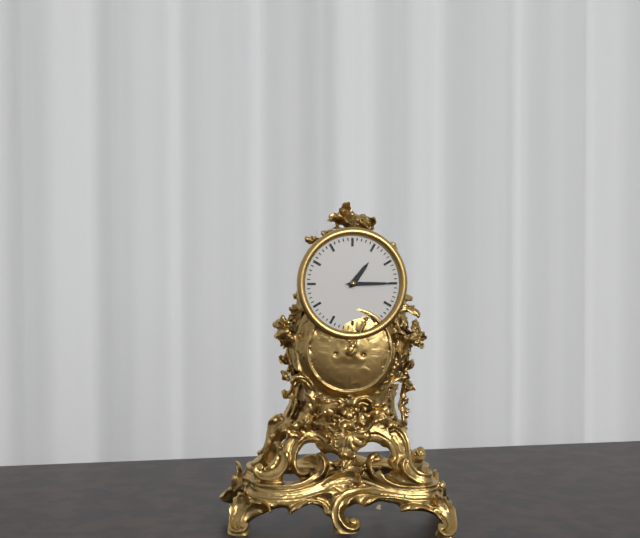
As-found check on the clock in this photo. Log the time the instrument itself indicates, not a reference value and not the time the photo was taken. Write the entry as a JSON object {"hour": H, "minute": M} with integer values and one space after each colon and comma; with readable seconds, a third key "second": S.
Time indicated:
{"hour": 1, "minute": 15}
